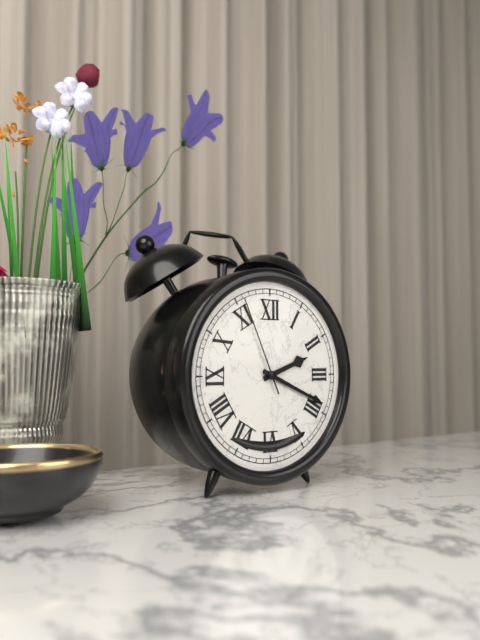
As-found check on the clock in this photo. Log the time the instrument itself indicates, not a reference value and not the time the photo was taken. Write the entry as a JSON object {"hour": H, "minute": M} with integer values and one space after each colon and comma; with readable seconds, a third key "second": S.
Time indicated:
{"hour": 2, "minute": 19, "second": 56}
